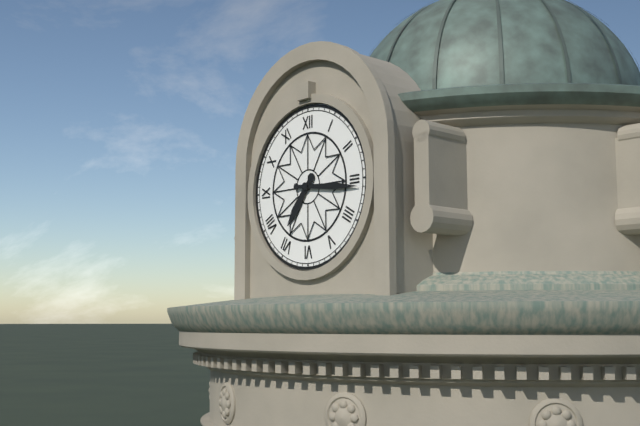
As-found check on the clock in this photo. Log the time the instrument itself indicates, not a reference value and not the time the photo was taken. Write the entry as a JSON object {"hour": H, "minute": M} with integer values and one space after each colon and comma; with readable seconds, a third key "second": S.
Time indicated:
{"hour": 7, "minute": 16}
